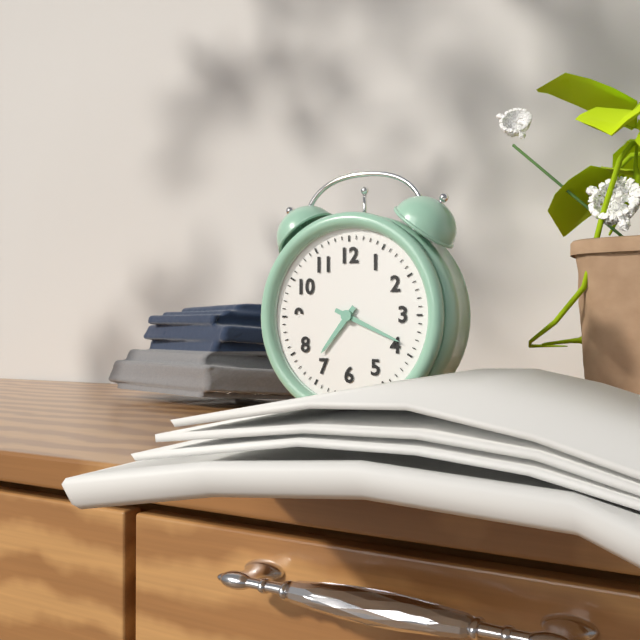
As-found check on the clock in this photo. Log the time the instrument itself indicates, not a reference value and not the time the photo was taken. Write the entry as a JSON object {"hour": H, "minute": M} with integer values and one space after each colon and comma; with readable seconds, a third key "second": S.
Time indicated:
{"hour": 7, "minute": 19}
